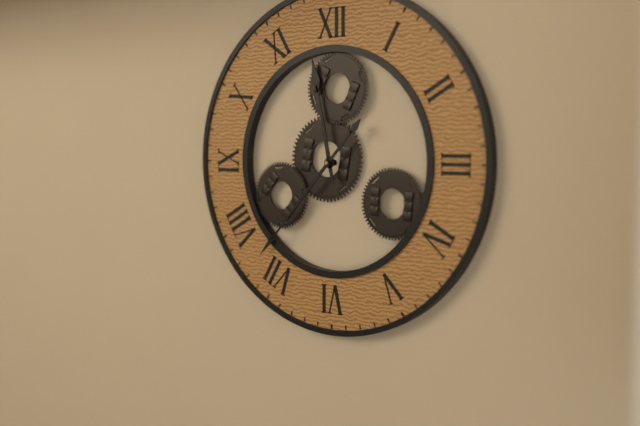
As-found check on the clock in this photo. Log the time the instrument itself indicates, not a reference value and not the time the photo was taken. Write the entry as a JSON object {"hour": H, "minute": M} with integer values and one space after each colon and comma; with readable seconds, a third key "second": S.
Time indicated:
{"hour": 11, "minute": 37}
